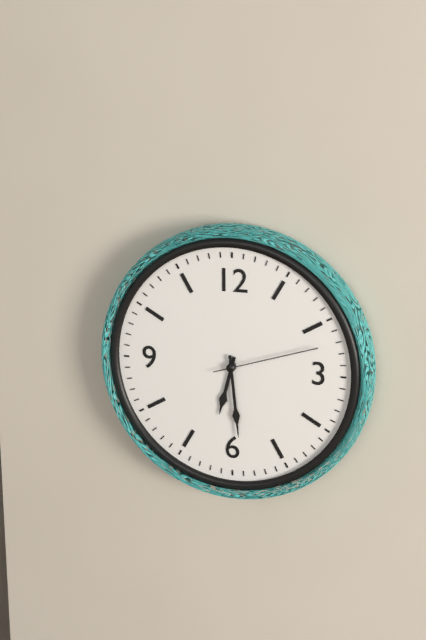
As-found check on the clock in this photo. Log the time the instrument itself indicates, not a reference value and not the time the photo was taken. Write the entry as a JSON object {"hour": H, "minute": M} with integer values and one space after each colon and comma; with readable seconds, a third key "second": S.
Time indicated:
{"hour": 6, "minute": 29, "second": 12}
